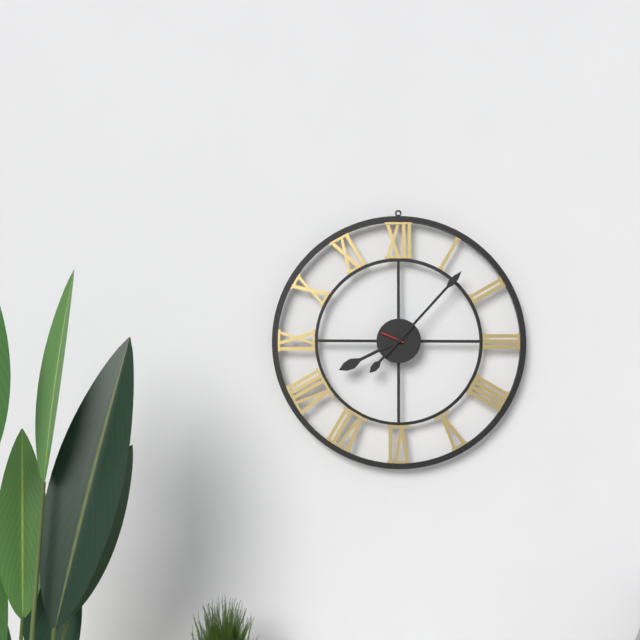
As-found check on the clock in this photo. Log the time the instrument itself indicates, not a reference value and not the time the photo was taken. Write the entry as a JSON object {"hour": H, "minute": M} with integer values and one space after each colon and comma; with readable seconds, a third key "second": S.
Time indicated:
{"hour": 8, "minute": 7}
